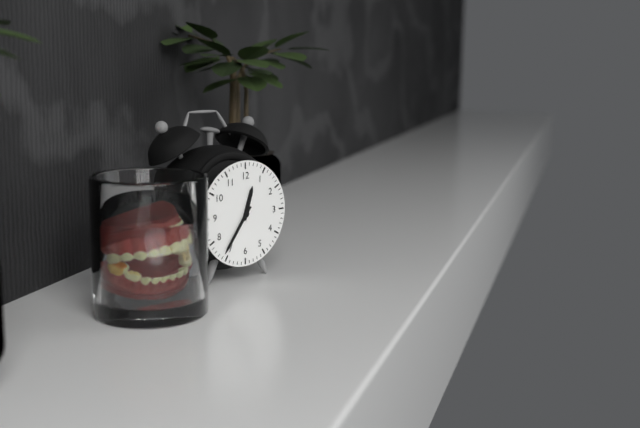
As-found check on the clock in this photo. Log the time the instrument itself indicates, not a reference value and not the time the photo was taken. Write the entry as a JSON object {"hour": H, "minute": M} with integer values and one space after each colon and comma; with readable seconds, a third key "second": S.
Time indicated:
{"hour": 12, "minute": 36}
